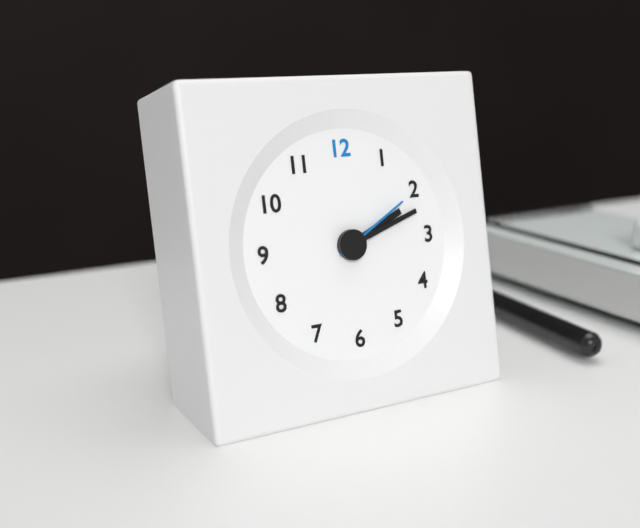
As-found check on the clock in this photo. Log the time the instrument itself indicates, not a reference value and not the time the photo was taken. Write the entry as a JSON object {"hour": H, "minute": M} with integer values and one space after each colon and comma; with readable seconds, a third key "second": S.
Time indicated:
{"hour": 2, "minute": 12, "second": 10}
